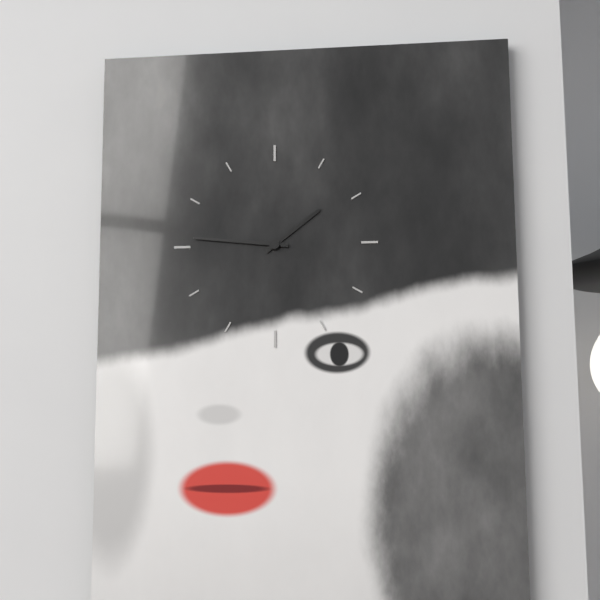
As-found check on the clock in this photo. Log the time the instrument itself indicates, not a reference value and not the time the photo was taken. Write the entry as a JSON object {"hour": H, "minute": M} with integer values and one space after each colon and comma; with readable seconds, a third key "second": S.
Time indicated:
{"hour": 1, "minute": 46}
